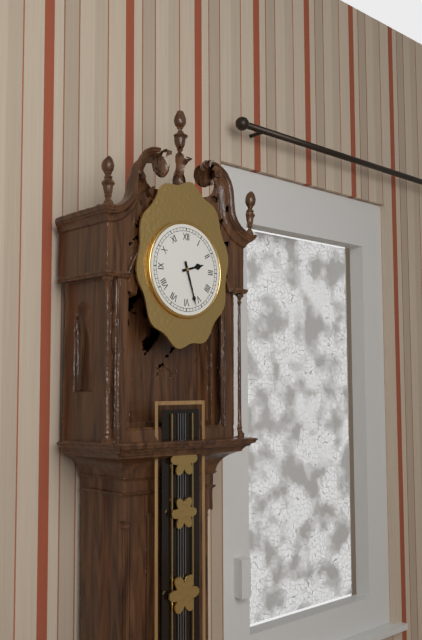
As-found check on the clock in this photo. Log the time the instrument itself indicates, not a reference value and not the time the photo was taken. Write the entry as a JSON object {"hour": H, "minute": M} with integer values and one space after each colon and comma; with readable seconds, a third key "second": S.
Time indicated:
{"hour": 2, "minute": 27}
